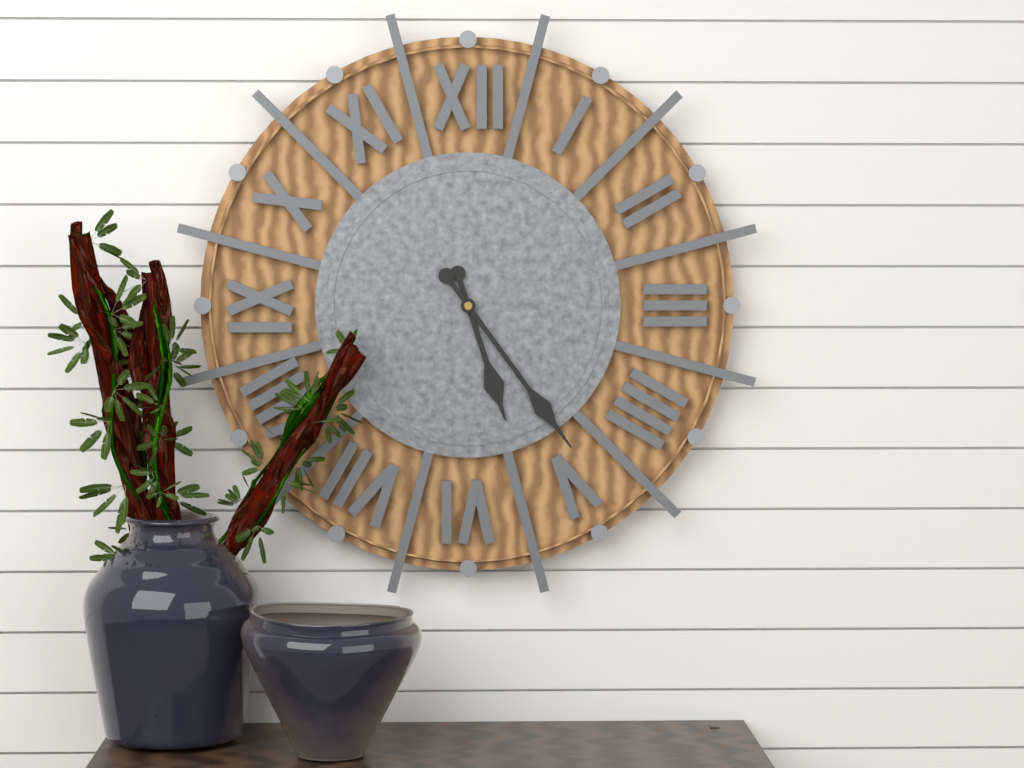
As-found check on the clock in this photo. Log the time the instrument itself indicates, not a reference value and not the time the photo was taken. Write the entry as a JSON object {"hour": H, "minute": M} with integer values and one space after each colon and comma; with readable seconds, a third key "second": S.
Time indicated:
{"hour": 5, "minute": 24}
